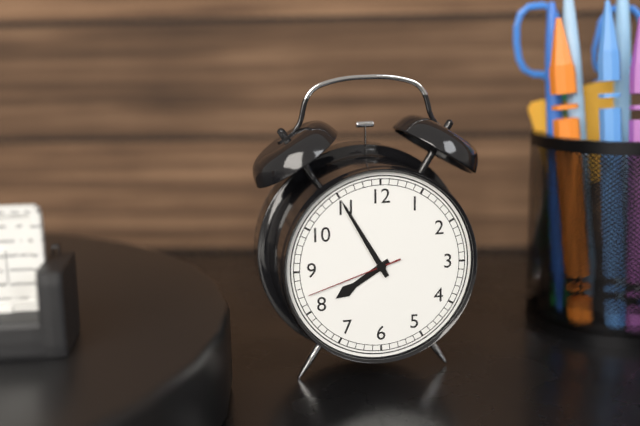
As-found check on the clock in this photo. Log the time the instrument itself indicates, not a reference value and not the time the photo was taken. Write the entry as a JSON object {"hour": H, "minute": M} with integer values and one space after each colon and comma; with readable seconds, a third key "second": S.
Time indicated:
{"hour": 7, "minute": 55, "second": 42}
